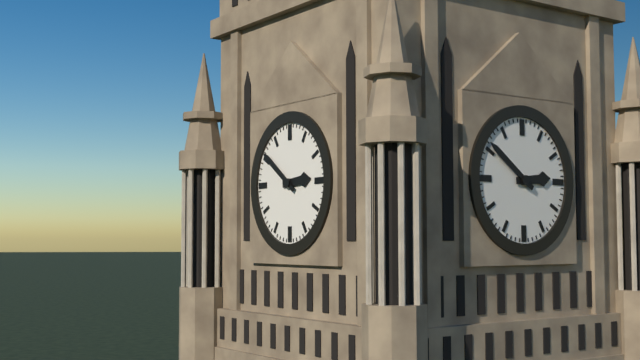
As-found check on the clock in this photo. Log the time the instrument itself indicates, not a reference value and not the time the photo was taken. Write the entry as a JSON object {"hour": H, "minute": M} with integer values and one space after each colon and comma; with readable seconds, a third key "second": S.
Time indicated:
{"hour": 2, "minute": 51}
